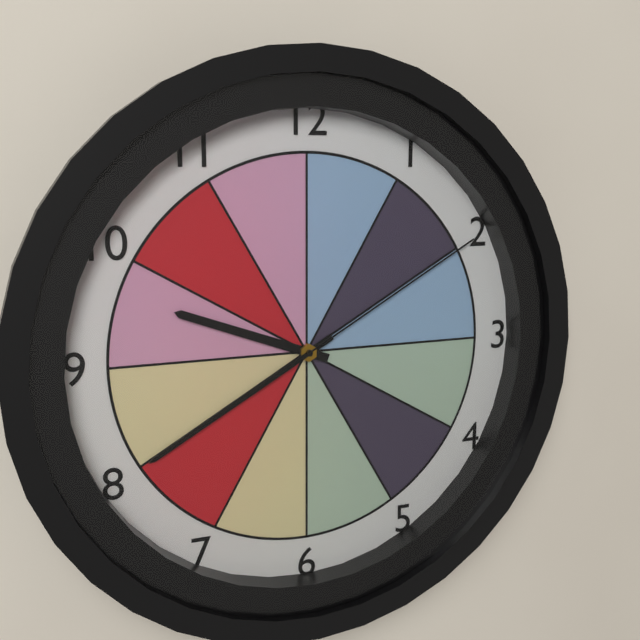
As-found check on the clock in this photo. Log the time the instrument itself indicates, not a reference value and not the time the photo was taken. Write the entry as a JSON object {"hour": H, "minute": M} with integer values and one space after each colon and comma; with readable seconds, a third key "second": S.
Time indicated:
{"hour": 9, "minute": 40, "second": 10}
